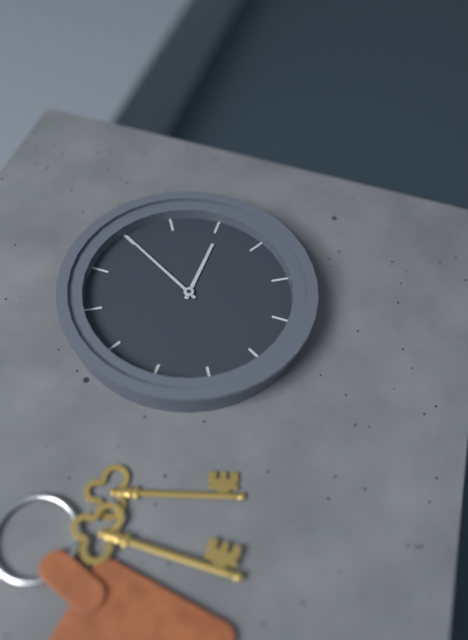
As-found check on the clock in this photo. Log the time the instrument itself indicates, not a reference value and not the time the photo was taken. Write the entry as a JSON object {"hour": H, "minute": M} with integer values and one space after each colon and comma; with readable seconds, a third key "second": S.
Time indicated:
{"hour": 3, "minute": 5}
